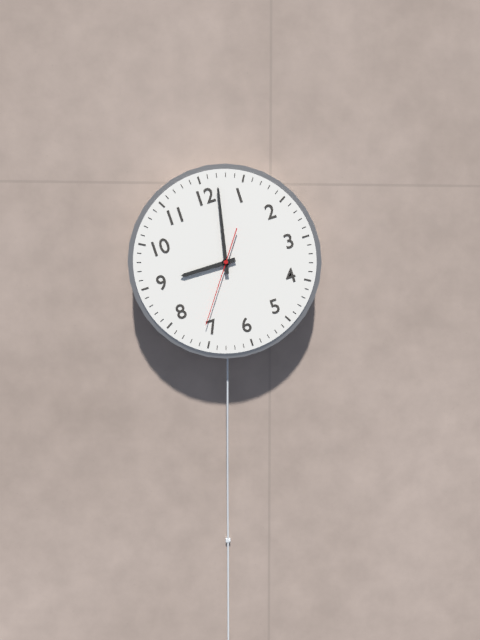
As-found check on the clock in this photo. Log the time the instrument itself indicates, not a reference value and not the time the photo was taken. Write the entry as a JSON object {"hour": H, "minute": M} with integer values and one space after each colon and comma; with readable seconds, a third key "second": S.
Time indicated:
{"hour": 9, "minute": 2, "second": 36}
